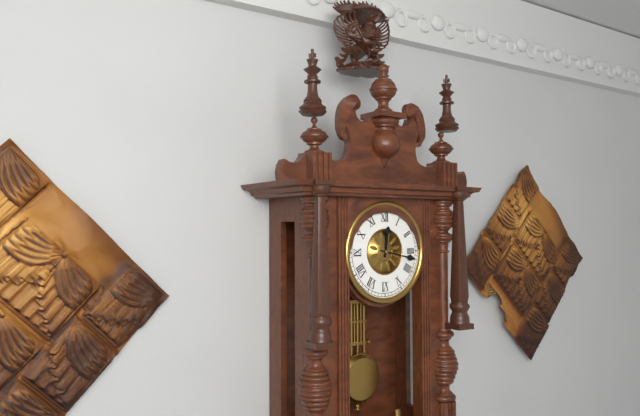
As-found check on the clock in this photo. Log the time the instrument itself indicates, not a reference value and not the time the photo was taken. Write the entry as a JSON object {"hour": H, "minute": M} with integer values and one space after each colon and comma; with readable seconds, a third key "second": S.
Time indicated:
{"hour": 12, "minute": 17}
